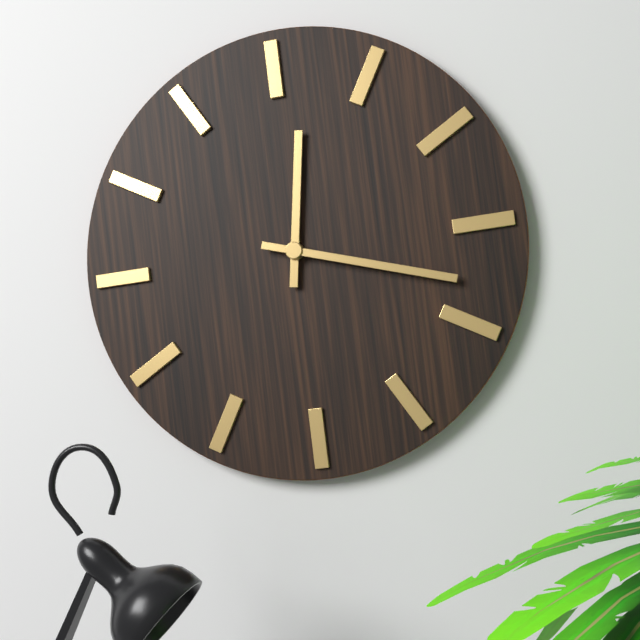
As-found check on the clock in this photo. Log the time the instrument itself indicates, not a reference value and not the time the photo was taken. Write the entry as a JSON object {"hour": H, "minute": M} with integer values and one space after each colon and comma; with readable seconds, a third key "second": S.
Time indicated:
{"hour": 12, "minute": 18}
